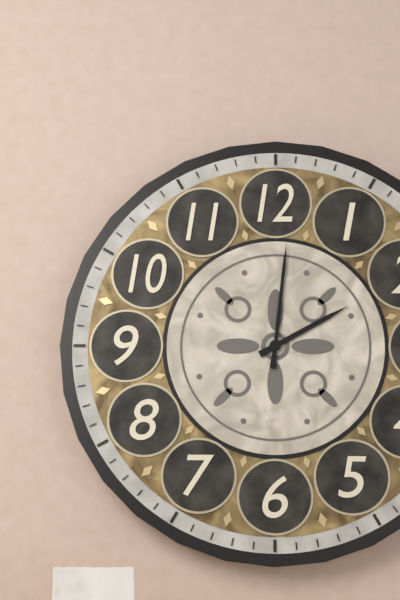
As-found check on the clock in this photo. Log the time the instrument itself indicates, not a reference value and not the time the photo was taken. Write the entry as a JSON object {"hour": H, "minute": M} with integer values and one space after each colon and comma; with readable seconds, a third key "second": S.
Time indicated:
{"hour": 2, "minute": 1}
